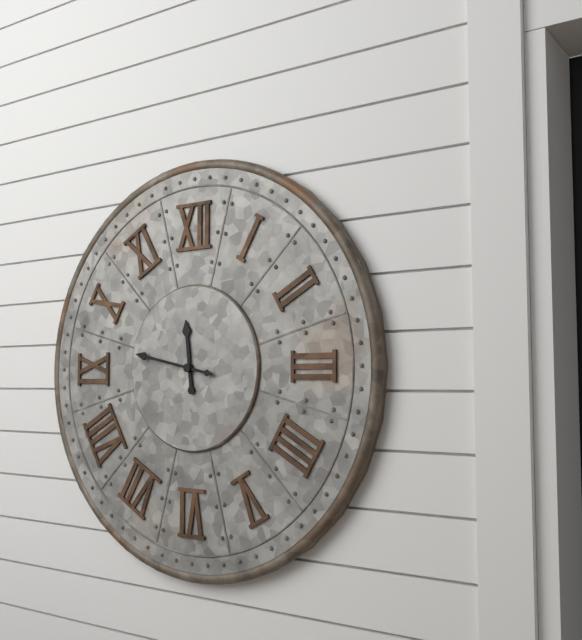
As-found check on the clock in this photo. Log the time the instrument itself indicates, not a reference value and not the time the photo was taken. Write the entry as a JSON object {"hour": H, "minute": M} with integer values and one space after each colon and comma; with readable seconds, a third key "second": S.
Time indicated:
{"hour": 11, "minute": 47}
